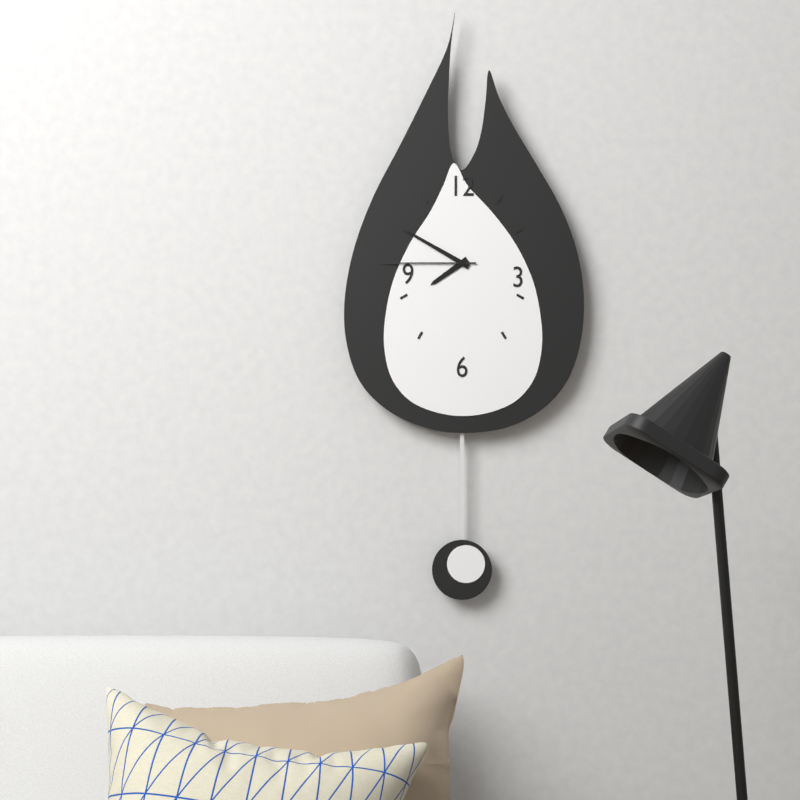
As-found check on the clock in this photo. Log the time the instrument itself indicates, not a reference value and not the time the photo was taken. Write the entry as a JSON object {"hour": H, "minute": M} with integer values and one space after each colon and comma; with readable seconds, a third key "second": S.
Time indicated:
{"hour": 7, "minute": 50, "second": 45}
